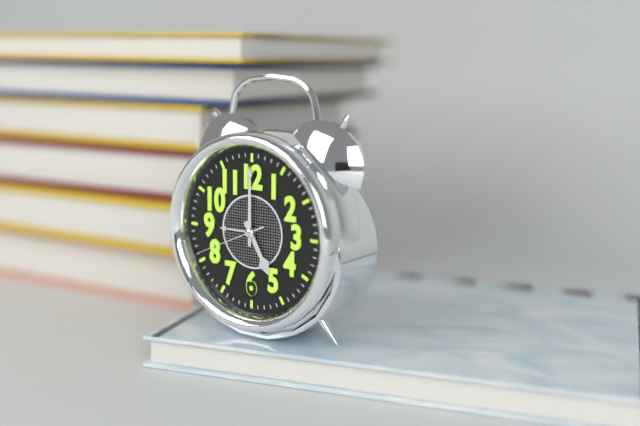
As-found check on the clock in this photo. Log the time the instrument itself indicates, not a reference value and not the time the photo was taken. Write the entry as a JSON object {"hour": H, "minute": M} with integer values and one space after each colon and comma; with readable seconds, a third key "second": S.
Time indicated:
{"hour": 5, "minute": 0, "second": 41}
